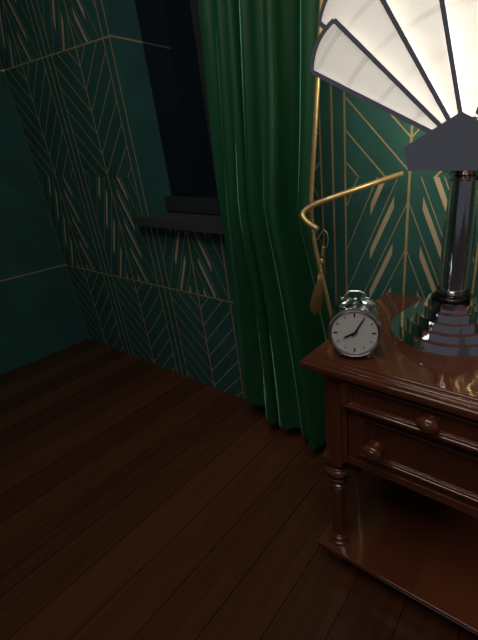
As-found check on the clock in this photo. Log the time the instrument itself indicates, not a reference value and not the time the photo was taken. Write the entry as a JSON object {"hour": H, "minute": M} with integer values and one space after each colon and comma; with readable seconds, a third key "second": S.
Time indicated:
{"hour": 8, "minute": 5}
